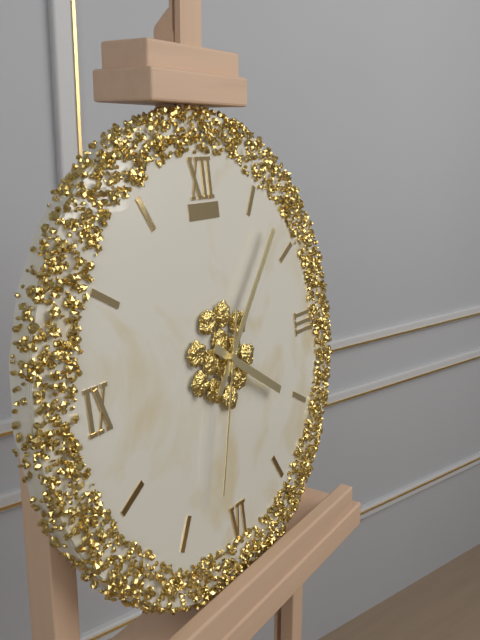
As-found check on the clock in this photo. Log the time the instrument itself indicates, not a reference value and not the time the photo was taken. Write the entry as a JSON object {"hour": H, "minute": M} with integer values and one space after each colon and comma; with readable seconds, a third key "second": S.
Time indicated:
{"hour": 4, "minute": 7, "second": 33}
